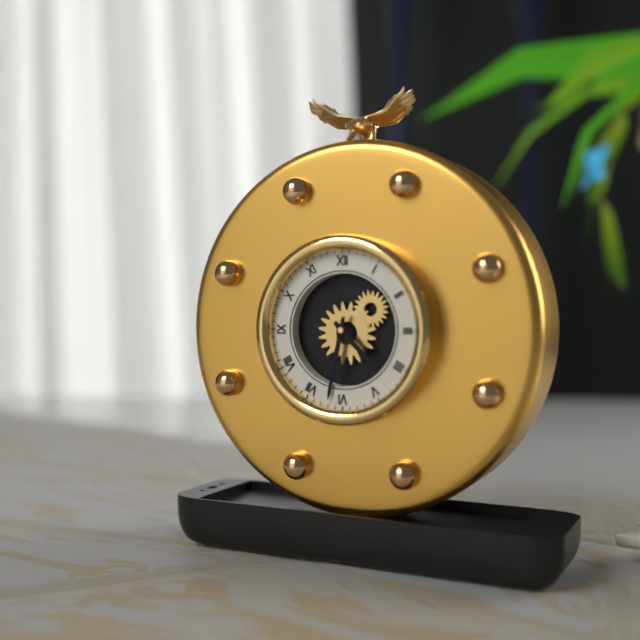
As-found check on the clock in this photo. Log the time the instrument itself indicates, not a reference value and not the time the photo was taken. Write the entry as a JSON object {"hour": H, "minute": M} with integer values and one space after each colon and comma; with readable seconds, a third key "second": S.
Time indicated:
{"hour": 4, "minute": 32}
